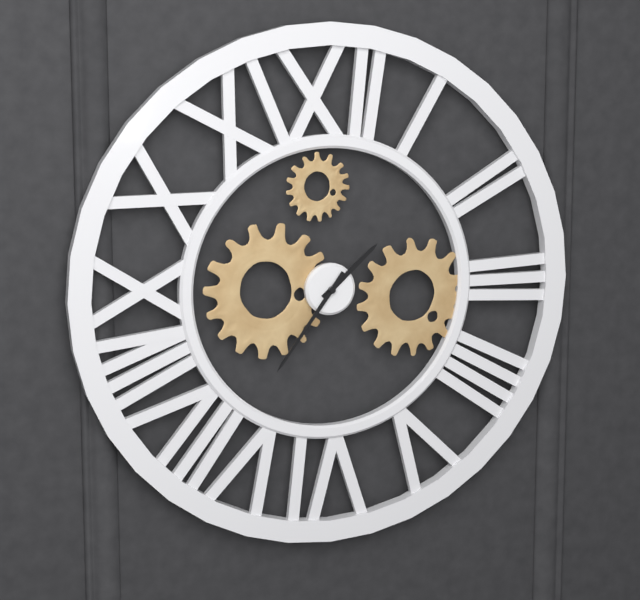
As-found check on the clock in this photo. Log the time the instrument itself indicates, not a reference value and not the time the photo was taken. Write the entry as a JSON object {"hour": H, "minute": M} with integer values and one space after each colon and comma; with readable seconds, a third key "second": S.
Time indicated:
{"hour": 1, "minute": 36}
